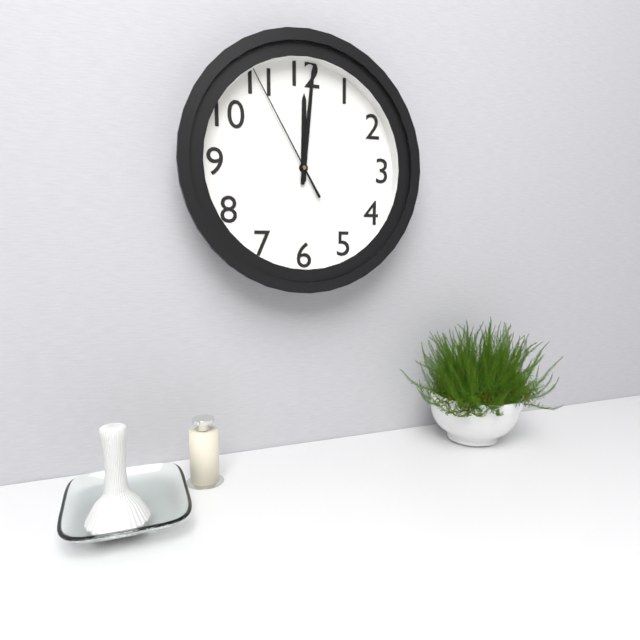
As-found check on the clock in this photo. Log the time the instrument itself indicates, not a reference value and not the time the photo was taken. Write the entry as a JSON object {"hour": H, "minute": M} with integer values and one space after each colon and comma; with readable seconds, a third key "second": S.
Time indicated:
{"hour": 12, "minute": 1, "second": 55}
